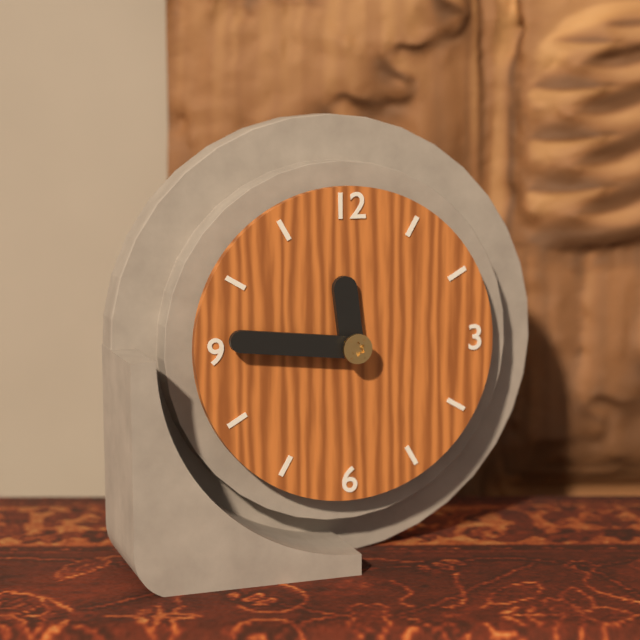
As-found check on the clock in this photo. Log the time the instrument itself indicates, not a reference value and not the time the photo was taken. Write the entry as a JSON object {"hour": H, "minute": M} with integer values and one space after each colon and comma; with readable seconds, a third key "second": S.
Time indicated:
{"hour": 11, "minute": 46}
